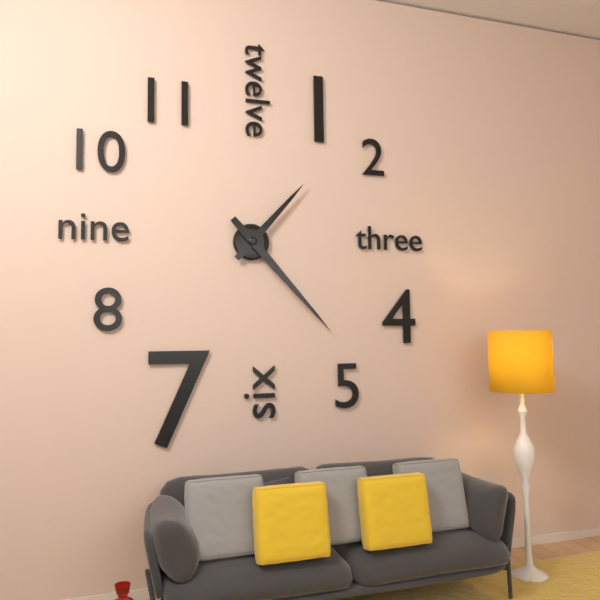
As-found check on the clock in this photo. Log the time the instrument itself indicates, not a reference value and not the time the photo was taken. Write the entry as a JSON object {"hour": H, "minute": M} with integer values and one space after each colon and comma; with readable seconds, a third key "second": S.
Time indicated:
{"hour": 1, "minute": 23}
